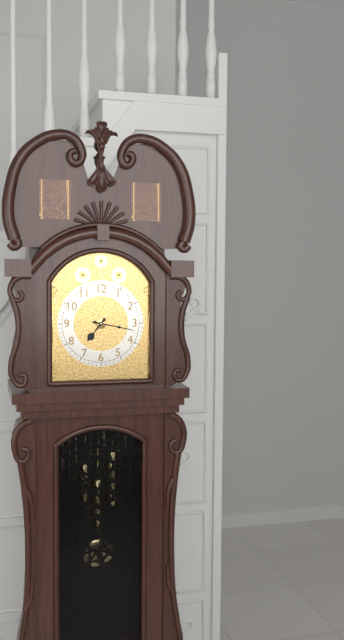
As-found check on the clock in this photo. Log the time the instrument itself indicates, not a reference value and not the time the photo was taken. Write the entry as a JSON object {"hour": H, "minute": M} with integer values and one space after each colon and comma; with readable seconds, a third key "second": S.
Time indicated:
{"hour": 7, "minute": 17}
